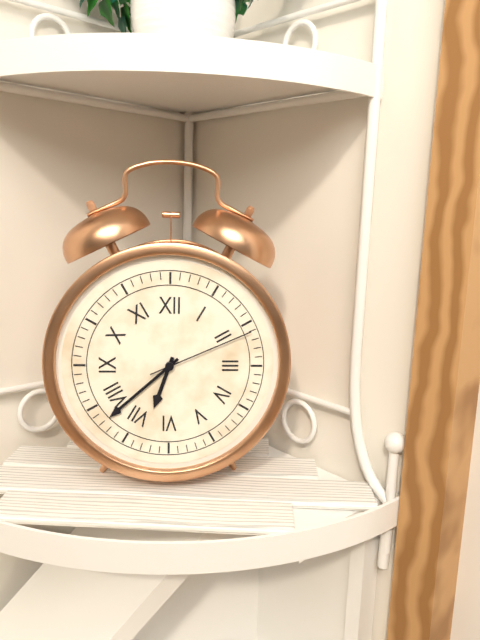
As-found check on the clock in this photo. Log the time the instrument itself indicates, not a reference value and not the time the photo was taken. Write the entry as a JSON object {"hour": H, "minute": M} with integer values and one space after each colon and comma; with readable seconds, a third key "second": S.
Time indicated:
{"hour": 6, "minute": 38, "second": 11}
